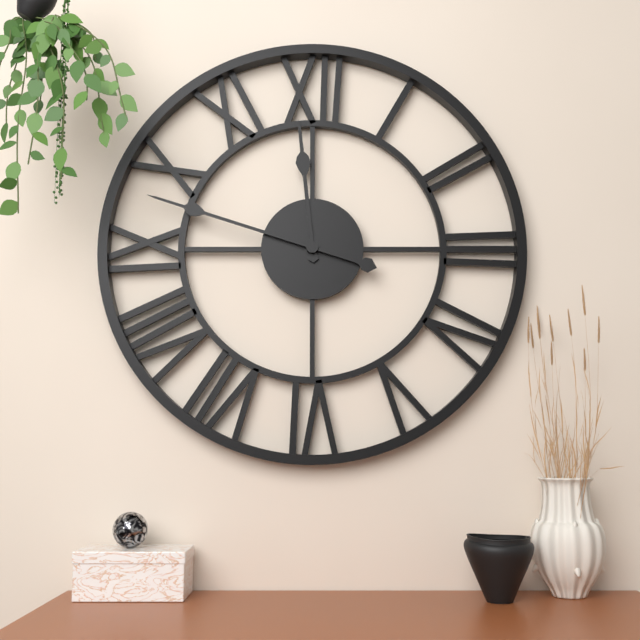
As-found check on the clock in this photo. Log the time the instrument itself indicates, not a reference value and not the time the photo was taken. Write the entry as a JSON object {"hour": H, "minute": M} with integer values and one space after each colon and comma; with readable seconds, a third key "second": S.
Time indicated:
{"hour": 11, "minute": 48}
